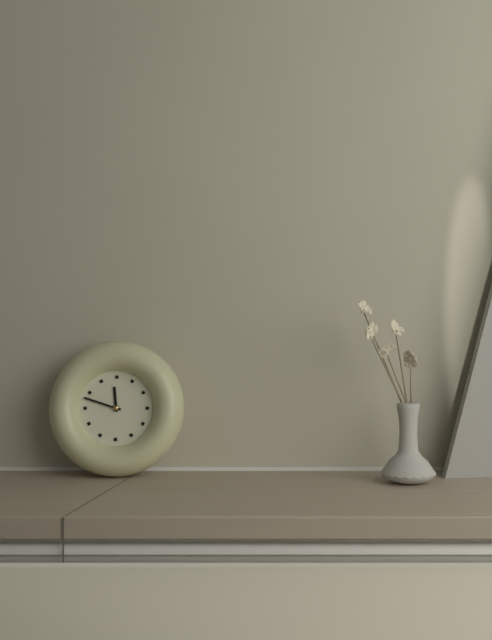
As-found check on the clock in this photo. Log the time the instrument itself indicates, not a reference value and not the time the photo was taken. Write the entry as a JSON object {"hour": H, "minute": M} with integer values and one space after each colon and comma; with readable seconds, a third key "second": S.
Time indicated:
{"hour": 11, "minute": 48}
